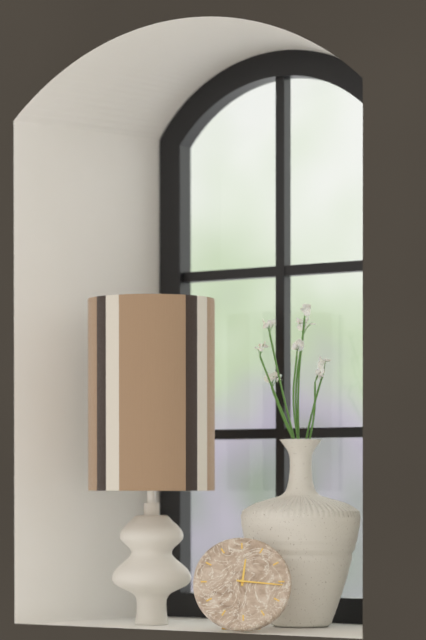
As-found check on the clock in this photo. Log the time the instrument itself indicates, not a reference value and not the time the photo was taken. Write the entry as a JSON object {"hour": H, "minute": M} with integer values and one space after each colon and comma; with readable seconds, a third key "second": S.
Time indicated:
{"hour": 12, "minute": 16}
